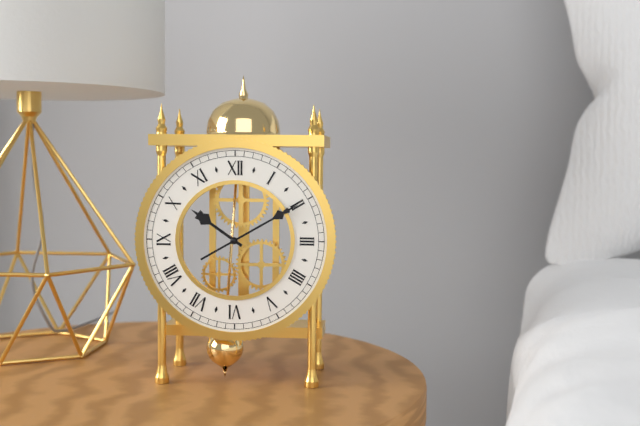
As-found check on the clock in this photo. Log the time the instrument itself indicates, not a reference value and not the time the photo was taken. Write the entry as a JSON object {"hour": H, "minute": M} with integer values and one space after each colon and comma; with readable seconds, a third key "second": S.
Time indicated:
{"hour": 10, "minute": 10}
